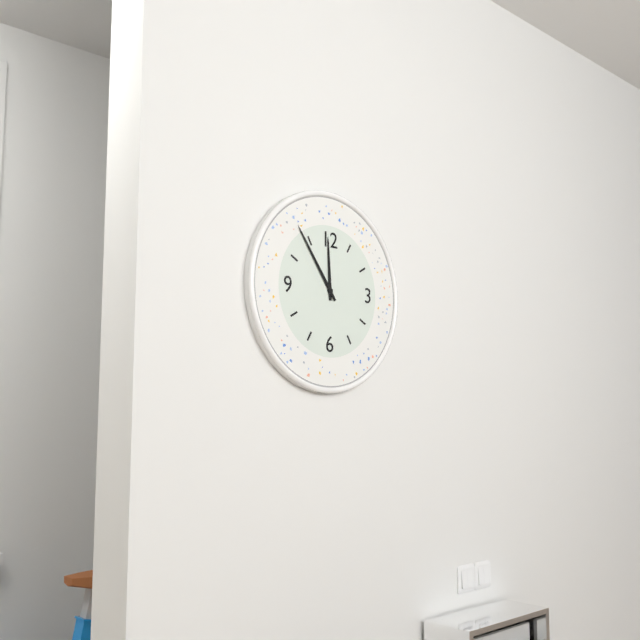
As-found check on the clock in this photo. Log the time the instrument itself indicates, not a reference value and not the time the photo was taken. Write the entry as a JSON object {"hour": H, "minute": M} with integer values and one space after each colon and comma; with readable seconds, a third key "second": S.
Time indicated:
{"hour": 11, "minute": 54}
